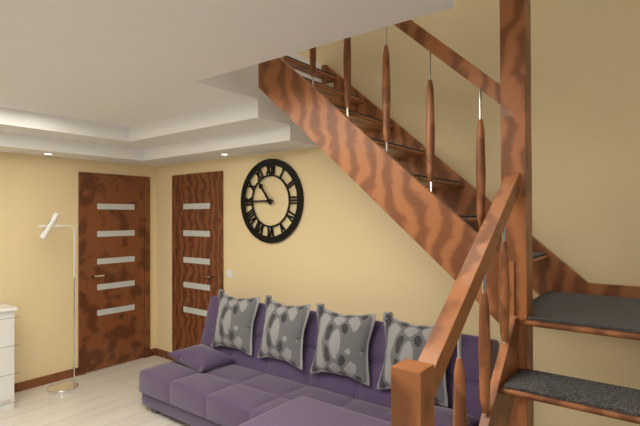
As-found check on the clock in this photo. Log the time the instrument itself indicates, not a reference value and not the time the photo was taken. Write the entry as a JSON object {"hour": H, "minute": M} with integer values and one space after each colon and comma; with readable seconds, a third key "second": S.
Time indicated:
{"hour": 10, "minute": 45}
